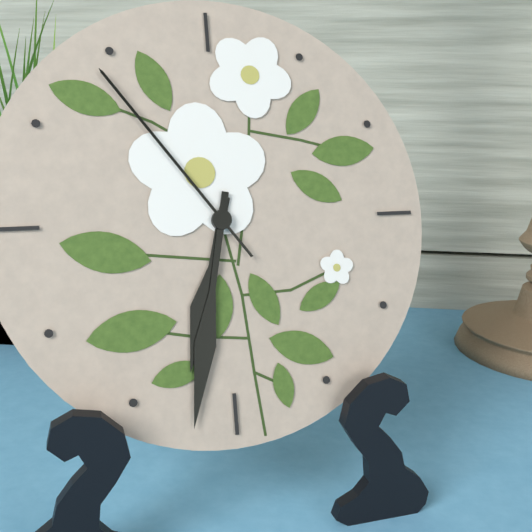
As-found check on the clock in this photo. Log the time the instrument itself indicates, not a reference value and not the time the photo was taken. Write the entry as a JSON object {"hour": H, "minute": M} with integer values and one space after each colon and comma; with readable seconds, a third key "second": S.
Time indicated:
{"hour": 6, "minute": 32, "second": 54}
